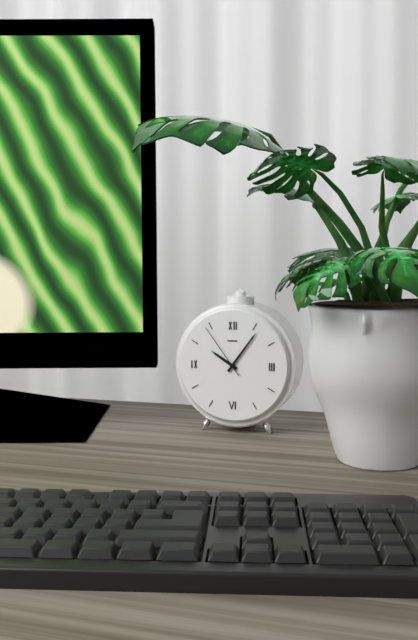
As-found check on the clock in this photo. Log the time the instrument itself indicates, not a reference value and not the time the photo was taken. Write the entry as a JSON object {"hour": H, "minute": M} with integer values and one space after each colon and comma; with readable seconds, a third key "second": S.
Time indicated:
{"hour": 10, "minute": 6, "second": 54}
